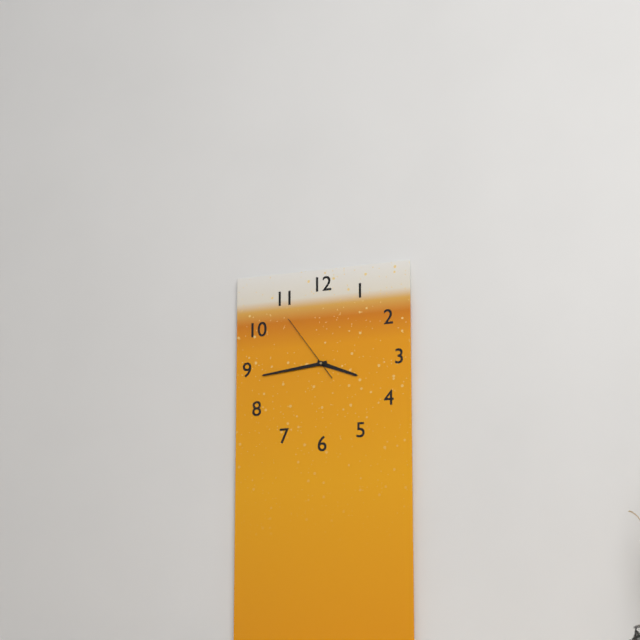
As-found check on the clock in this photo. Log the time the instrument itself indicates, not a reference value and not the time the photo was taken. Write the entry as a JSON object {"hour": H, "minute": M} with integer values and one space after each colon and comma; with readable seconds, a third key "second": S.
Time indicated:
{"hour": 3, "minute": 44, "second": 54}
